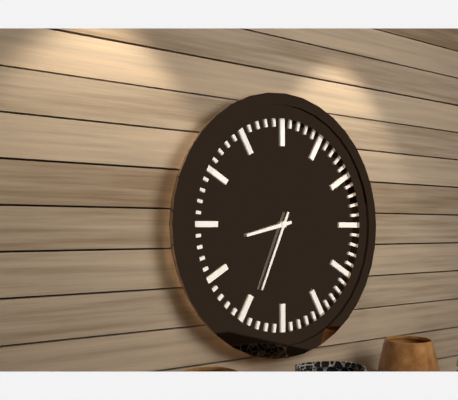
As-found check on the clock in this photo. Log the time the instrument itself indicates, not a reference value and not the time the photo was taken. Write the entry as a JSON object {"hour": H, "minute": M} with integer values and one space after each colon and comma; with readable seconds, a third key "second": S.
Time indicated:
{"hour": 8, "minute": 34}
